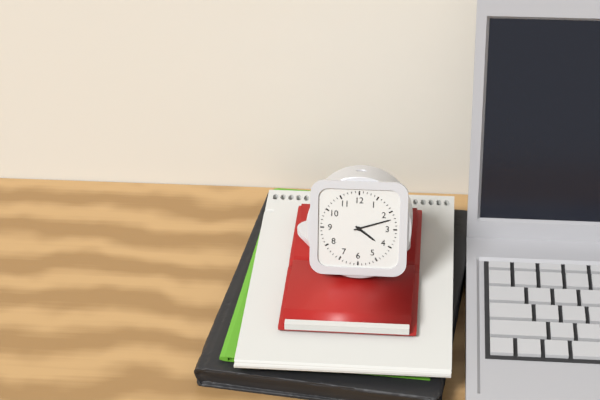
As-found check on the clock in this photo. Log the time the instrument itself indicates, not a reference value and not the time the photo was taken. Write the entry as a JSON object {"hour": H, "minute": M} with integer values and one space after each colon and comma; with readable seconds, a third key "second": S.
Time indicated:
{"hour": 4, "minute": 12}
